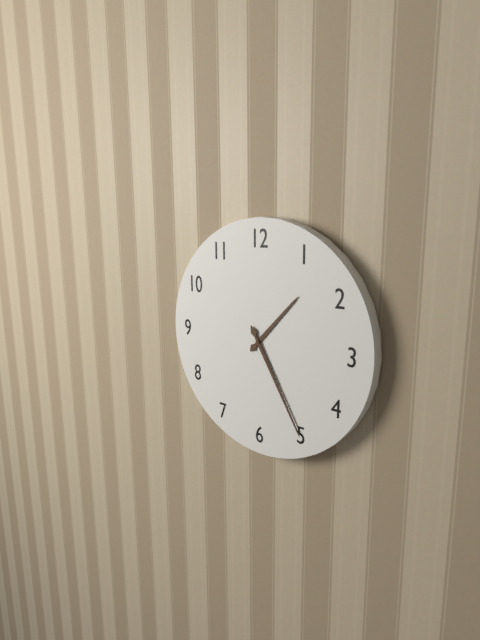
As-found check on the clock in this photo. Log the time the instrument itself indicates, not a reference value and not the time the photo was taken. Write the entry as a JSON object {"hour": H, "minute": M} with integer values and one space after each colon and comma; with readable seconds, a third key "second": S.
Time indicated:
{"hour": 1, "minute": 25}
